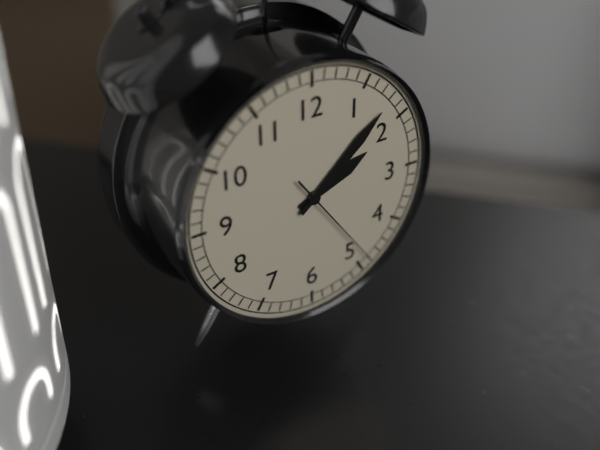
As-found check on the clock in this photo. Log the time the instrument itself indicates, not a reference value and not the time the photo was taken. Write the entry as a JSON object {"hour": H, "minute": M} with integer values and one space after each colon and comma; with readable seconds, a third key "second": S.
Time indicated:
{"hour": 2, "minute": 8, "second": 24}
